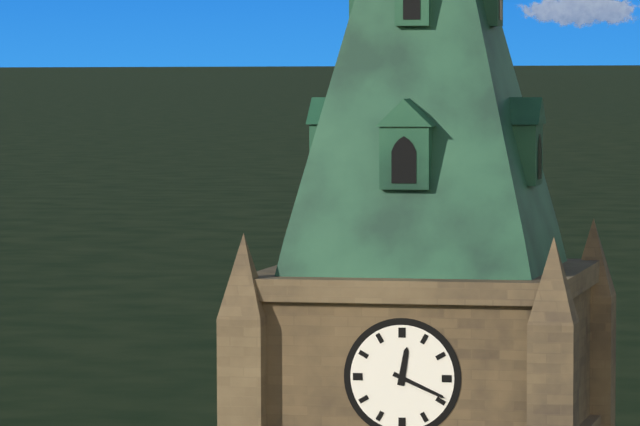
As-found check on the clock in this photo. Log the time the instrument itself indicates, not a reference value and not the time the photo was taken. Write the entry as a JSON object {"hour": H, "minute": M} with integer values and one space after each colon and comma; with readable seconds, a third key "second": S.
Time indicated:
{"hour": 12, "minute": 19}
